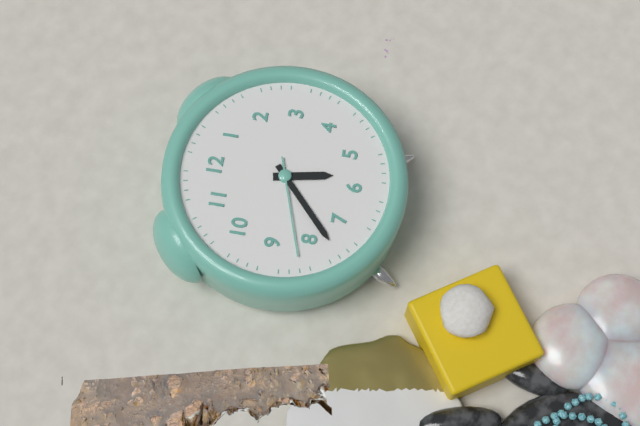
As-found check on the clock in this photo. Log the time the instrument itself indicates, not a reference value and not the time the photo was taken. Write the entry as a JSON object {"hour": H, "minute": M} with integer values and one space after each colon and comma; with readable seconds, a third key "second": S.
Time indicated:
{"hour": 5, "minute": 38, "second": 42}
